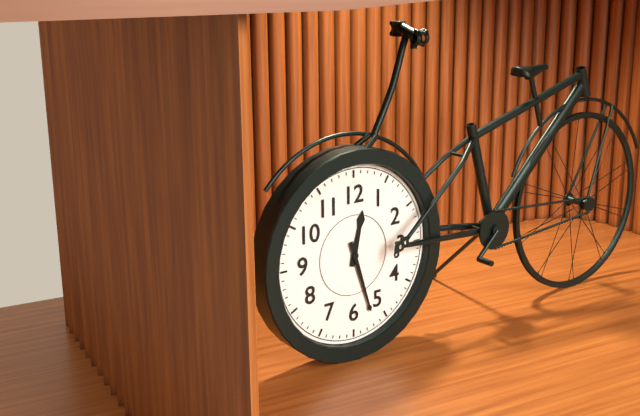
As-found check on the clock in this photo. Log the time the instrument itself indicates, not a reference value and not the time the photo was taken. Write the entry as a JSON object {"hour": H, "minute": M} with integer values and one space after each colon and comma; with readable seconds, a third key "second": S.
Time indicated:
{"hour": 12, "minute": 27}
